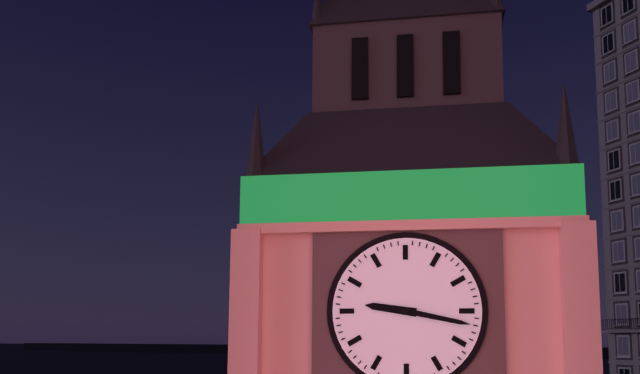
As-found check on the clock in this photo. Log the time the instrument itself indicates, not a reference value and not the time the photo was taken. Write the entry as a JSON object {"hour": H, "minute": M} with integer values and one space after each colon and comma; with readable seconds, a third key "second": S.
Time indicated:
{"hour": 9, "minute": 17}
